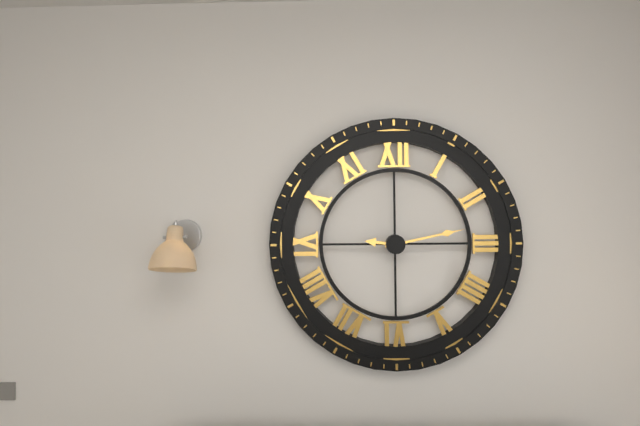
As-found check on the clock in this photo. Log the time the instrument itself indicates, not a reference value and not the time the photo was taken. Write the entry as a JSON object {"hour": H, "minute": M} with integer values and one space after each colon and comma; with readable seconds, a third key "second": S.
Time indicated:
{"hour": 9, "minute": 13}
